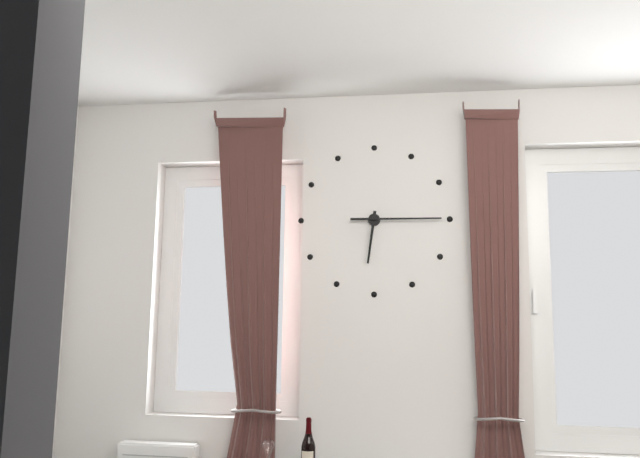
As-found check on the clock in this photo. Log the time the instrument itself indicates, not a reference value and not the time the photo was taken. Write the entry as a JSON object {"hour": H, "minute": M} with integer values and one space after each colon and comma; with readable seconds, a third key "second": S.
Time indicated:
{"hour": 6, "minute": 15}
